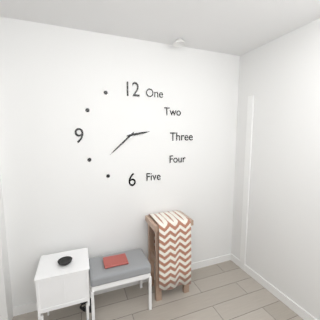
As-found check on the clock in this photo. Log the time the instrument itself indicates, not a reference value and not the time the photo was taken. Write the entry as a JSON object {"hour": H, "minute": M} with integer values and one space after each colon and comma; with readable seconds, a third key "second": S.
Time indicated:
{"hour": 2, "minute": 38}
